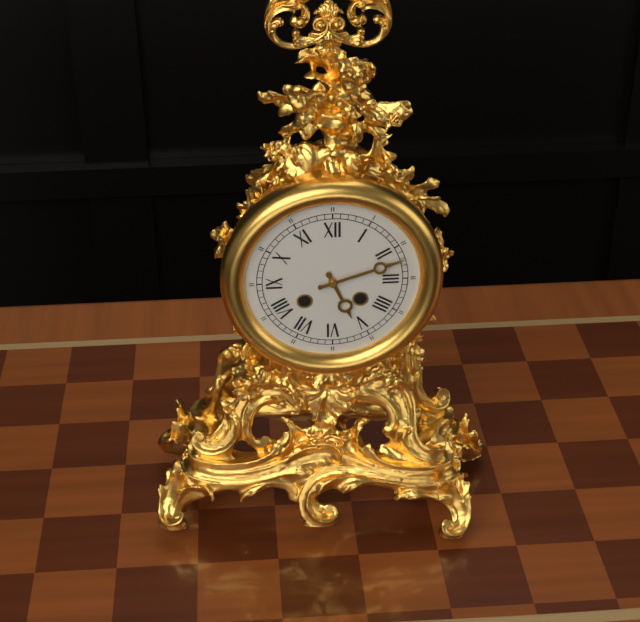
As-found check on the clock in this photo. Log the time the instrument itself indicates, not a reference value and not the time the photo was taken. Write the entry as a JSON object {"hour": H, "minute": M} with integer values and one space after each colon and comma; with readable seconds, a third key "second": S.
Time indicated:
{"hour": 5, "minute": 12}
